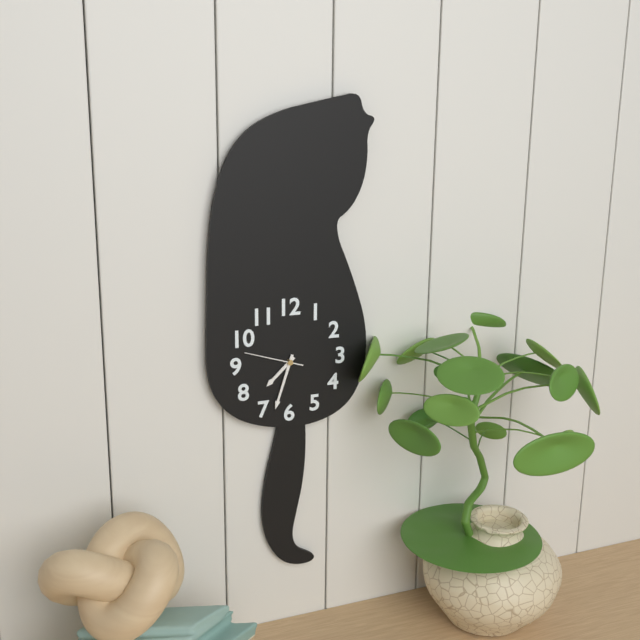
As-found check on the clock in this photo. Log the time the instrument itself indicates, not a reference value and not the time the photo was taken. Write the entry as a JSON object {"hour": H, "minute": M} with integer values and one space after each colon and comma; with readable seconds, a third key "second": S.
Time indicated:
{"hour": 7, "minute": 33, "second": 48}
